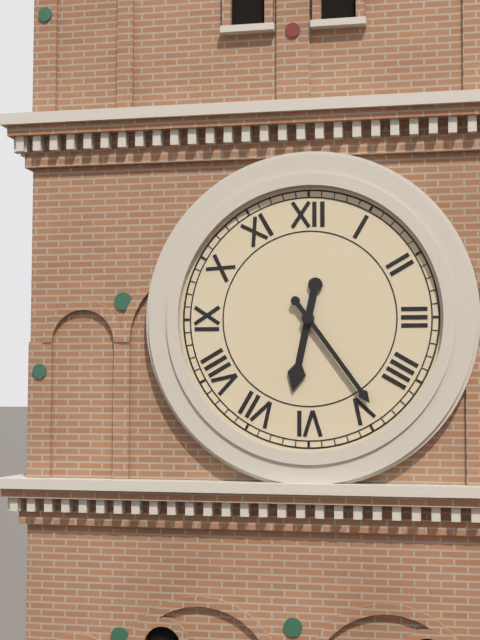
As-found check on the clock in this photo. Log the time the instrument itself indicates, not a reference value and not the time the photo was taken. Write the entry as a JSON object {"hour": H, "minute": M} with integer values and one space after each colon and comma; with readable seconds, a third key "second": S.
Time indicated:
{"hour": 6, "minute": 24}
